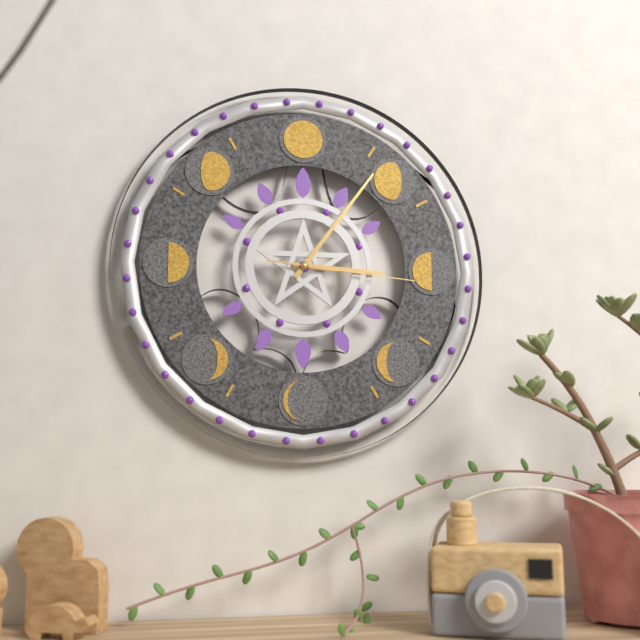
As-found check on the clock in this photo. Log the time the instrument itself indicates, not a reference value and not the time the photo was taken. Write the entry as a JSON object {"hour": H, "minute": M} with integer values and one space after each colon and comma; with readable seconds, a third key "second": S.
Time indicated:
{"hour": 3, "minute": 6, "second": 16}
